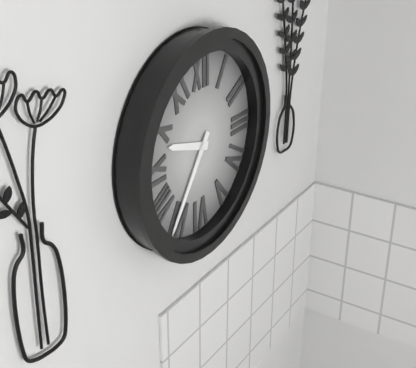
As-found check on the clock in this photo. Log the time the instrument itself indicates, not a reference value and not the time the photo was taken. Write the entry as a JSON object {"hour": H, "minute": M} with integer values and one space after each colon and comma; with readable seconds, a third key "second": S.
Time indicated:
{"hour": 9, "minute": 36}
